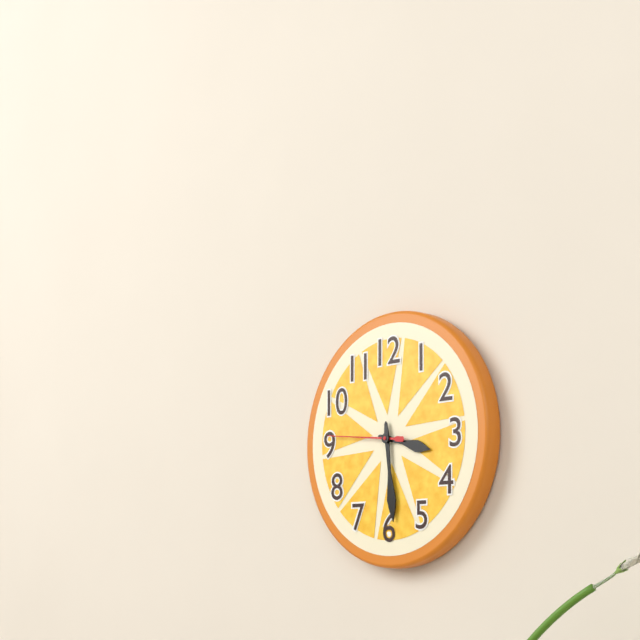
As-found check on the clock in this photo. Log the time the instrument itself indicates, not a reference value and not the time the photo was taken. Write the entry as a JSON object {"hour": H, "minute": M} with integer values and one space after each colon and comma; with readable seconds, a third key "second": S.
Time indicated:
{"hour": 3, "minute": 29, "second": 46}
